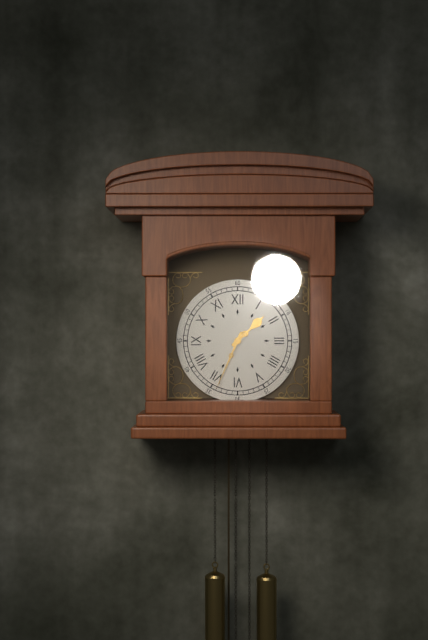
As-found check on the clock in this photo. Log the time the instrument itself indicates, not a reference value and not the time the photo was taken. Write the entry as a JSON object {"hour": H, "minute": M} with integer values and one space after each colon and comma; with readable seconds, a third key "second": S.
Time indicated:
{"hour": 1, "minute": 34}
